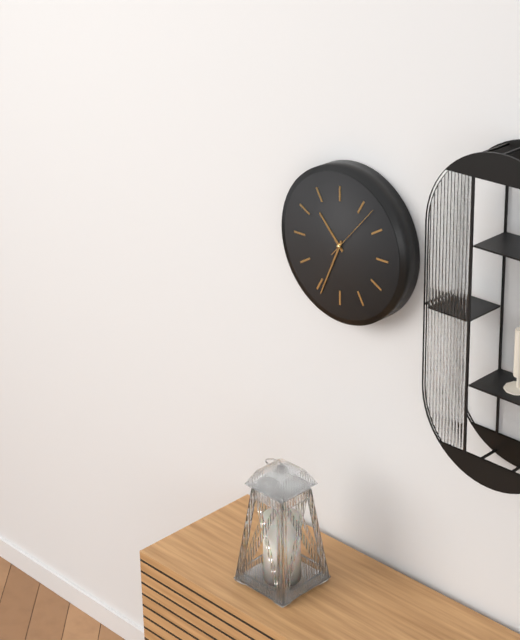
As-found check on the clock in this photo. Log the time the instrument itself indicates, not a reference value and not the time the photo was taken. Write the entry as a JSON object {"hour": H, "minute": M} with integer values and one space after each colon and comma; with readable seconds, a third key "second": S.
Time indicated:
{"hour": 10, "minute": 34, "second": 7}
